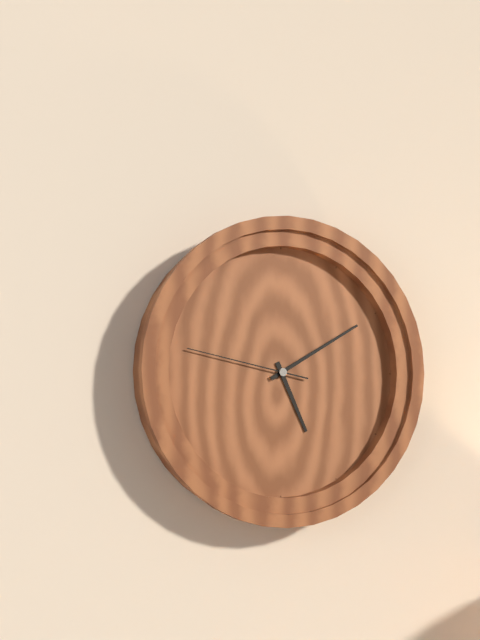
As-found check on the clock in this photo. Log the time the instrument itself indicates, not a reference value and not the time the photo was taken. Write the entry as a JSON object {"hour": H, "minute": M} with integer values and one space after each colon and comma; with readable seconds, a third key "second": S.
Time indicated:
{"hour": 5, "minute": 10, "second": 47}
